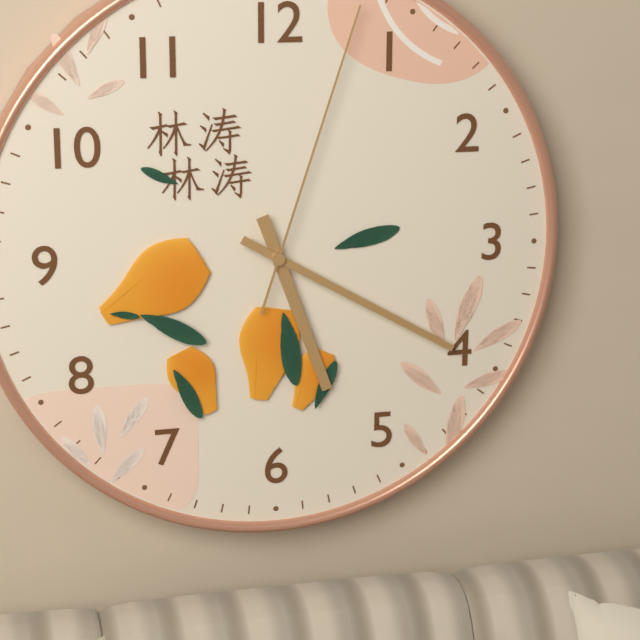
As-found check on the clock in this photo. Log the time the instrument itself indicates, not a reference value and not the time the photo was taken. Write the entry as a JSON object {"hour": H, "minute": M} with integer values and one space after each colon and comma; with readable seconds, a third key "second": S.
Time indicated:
{"hour": 5, "minute": 20, "second": 3}
